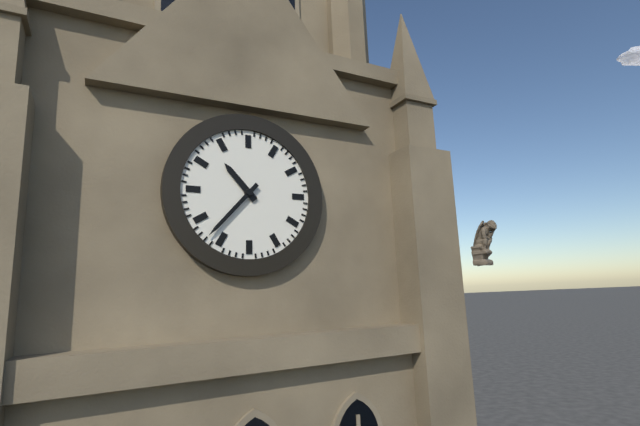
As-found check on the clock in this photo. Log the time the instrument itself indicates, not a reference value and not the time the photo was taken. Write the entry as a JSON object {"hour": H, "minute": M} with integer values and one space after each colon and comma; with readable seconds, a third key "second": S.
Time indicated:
{"hour": 10, "minute": 37}
